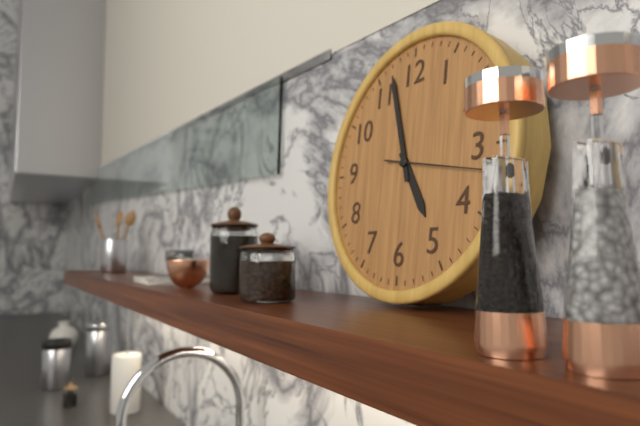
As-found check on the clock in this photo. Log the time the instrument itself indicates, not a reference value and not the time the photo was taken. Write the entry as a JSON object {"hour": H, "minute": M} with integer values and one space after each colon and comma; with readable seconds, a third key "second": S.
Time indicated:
{"hour": 4, "minute": 57, "second": 17}
